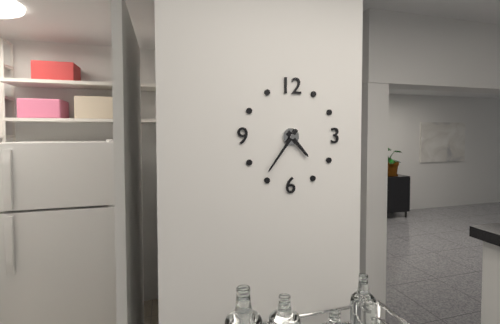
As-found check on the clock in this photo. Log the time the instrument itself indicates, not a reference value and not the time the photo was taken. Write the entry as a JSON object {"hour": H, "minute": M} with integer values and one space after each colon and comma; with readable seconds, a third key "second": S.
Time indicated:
{"hour": 4, "minute": 36}
